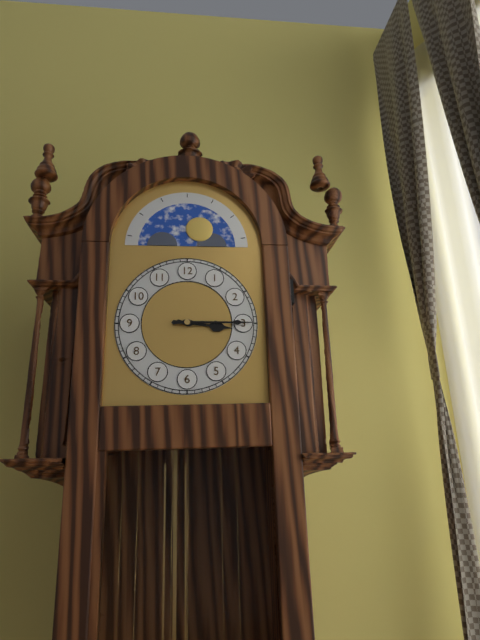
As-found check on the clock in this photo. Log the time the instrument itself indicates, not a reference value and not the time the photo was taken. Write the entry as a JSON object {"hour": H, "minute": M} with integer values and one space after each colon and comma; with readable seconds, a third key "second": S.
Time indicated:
{"hour": 3, "minute": 15}
